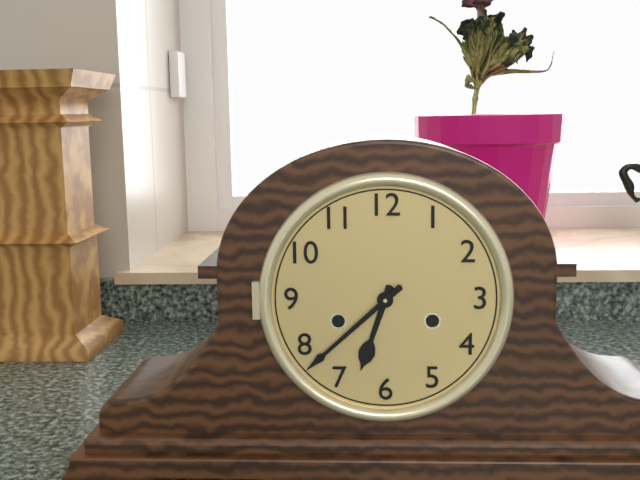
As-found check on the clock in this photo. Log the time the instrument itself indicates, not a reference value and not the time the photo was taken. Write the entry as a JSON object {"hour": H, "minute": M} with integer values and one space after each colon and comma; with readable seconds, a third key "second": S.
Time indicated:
{"hour": 6, "minute": 38}
